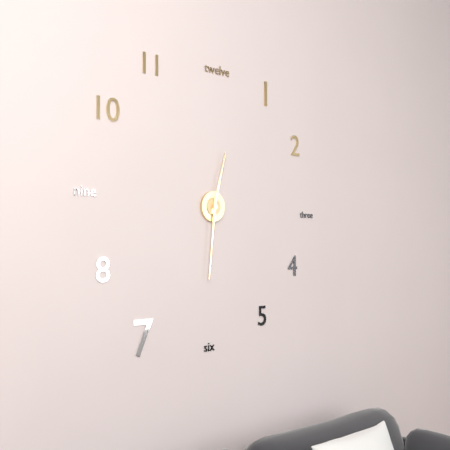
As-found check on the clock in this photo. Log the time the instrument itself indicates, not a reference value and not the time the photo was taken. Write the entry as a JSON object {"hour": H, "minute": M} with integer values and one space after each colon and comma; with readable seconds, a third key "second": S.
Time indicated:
{"hour": 12, "minute": 31}
